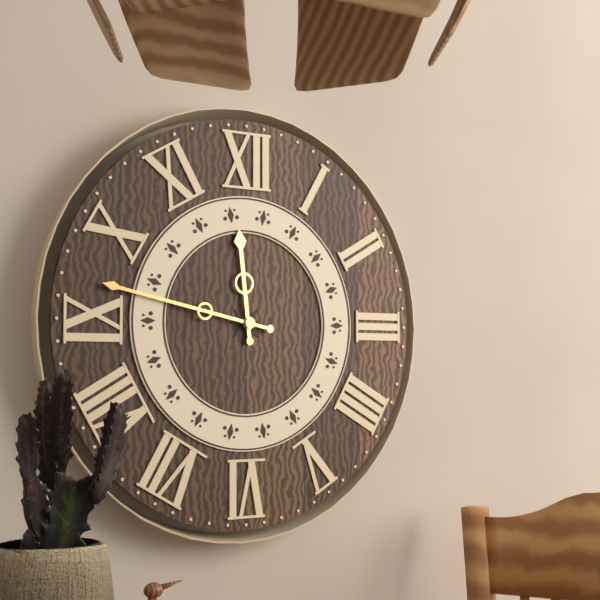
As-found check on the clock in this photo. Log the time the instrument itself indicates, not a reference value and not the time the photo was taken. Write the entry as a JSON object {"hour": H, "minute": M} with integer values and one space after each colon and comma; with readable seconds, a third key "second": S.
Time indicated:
{"hour": 11, "minute": 47}
